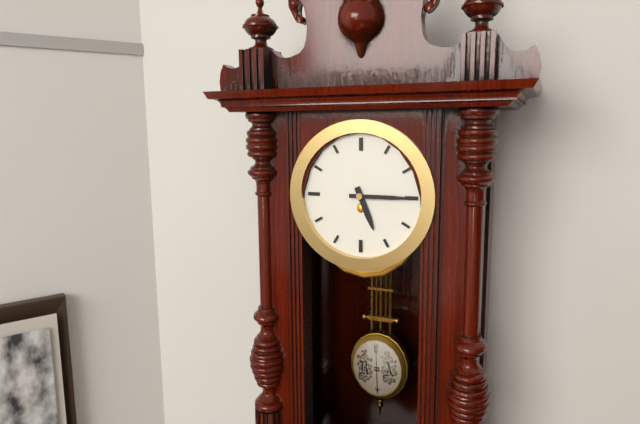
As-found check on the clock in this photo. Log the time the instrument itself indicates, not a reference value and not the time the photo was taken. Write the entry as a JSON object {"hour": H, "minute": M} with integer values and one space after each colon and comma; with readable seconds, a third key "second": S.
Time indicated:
{"hour": 5, "minute": 15}
